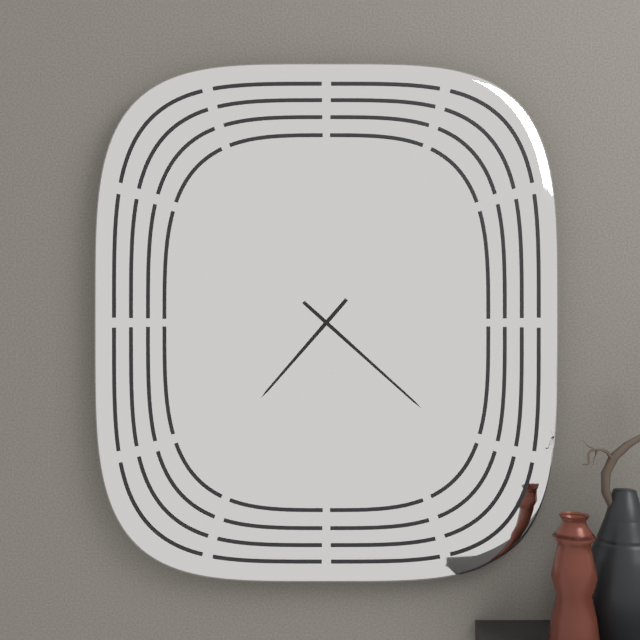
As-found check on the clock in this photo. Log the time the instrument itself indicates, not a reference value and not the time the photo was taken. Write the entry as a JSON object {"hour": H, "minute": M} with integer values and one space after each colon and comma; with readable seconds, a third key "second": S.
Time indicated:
{"hour": 7, "minute": 22}
